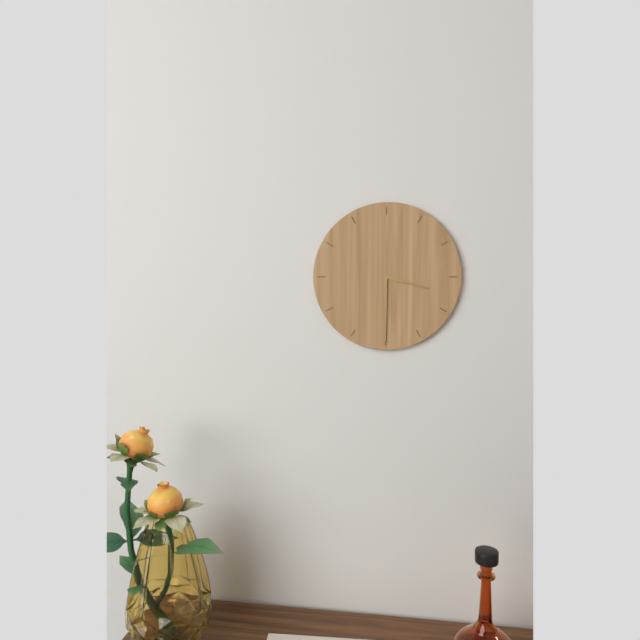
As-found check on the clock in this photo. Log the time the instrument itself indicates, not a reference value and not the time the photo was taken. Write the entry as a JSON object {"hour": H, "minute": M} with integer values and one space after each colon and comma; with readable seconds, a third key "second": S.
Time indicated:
{"hour": 3, "minute": 30}
